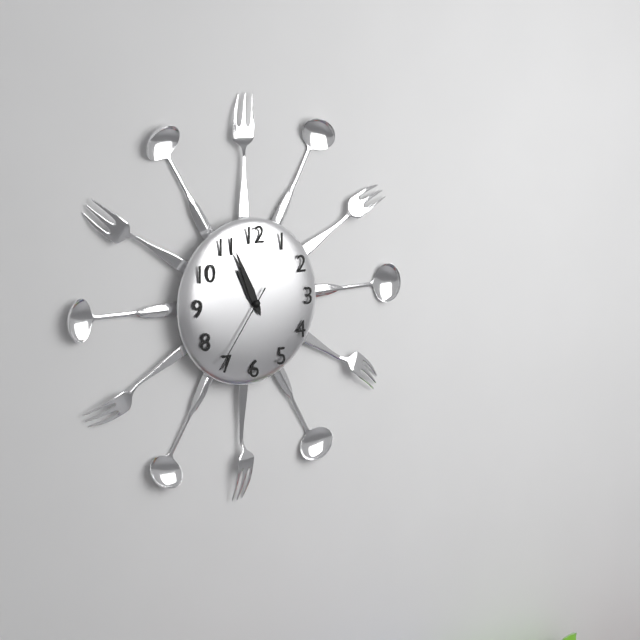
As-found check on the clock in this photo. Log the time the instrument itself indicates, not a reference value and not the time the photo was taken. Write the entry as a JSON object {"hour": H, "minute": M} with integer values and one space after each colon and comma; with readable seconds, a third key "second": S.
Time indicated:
{"hour": 10, "minute": 56, "second": 36}
